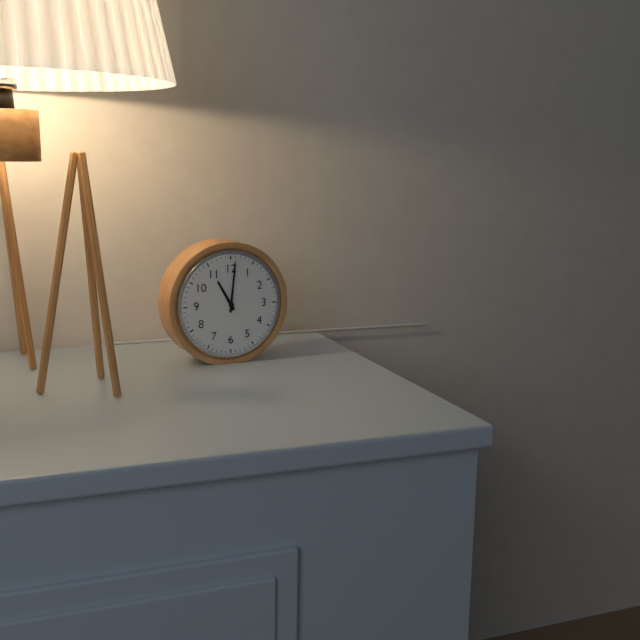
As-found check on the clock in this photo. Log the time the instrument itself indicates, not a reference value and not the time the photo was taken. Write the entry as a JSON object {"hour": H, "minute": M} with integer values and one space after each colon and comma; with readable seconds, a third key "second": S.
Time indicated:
{"hour": 11, "minute": 1}
